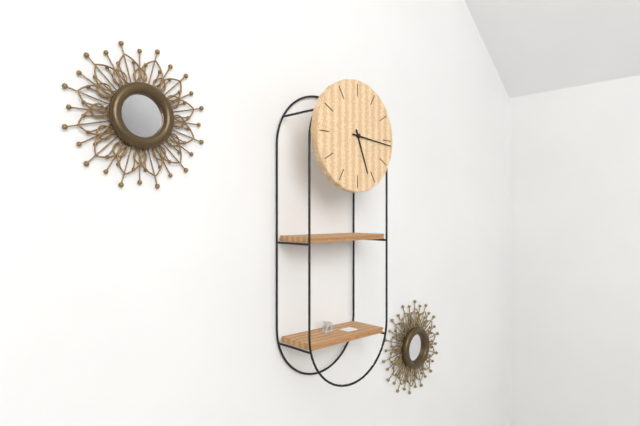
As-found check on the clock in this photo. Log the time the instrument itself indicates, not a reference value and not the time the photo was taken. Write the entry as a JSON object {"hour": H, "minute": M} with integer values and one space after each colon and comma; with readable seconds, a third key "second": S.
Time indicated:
{"hour": 5, "minute": 16}
